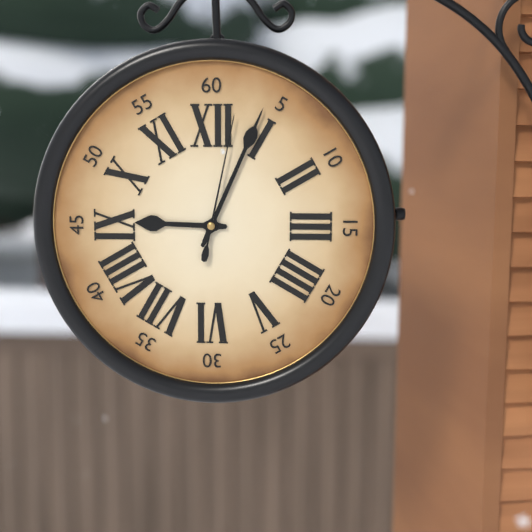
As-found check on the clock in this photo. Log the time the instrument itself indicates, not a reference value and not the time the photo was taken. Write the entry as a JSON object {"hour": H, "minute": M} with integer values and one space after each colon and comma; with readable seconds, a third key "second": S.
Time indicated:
{"hour": 9, "minute": 4, "second": 2}
